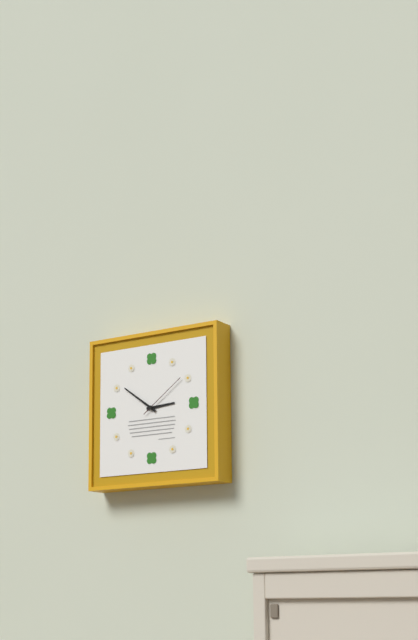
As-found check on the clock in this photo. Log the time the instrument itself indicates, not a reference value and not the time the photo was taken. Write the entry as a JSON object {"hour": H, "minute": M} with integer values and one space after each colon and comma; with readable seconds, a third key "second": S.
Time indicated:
{"hour": 2, "minute": 51, "second": 9}
